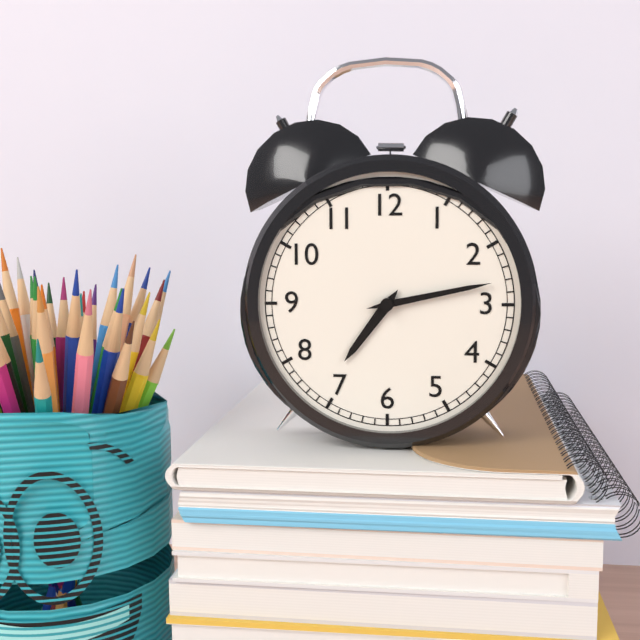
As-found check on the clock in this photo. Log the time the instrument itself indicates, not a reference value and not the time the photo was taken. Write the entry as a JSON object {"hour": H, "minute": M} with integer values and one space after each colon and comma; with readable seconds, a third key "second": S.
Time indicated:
{"hour": 7, "minute": 13}
